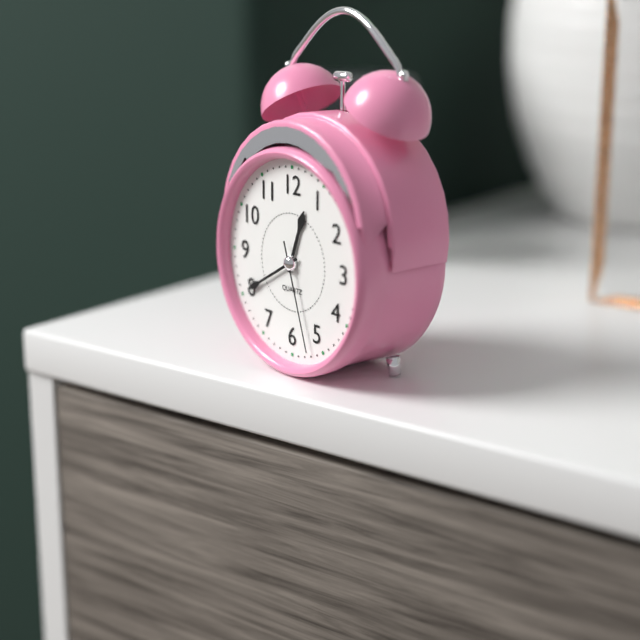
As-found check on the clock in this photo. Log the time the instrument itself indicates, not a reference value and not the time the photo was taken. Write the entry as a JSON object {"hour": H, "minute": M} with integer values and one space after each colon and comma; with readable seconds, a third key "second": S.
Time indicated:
{"hour": 12, "minute": 40, "second": 27}
